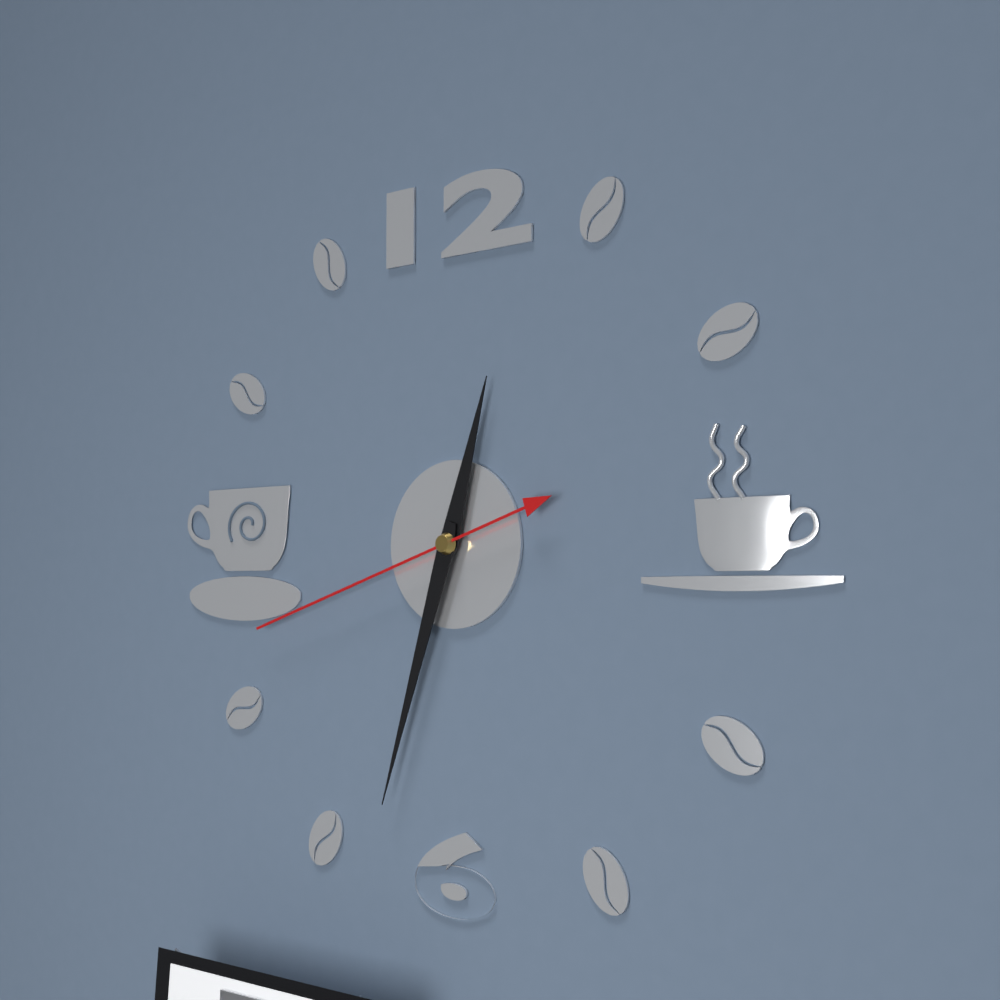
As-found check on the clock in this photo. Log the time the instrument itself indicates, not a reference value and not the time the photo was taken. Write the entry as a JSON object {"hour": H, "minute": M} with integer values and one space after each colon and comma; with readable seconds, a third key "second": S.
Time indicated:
{"hour": 12, "minute": 33, "second": 42}
